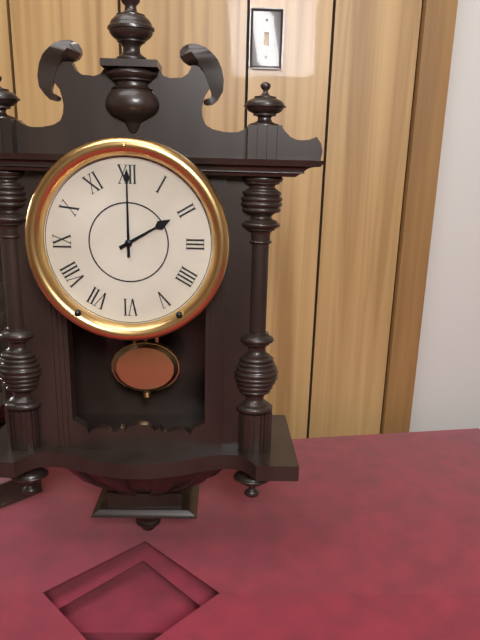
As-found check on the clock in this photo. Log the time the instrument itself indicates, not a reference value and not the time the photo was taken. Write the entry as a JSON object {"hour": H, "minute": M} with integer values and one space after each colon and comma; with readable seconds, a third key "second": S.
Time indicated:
{"hour": 2, "minute": 0}
